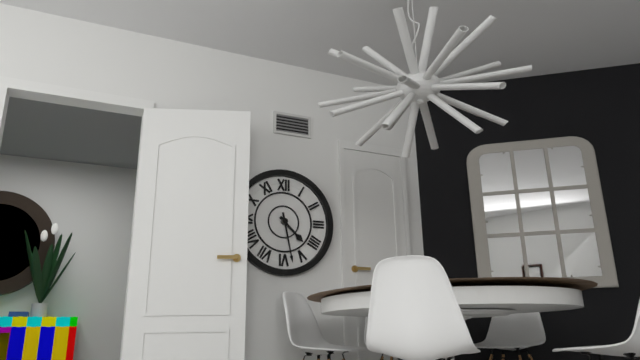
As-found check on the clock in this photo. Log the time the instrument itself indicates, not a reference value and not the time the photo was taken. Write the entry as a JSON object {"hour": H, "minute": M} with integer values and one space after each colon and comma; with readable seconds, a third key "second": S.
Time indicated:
{"hour": 4, "minute": 28}
